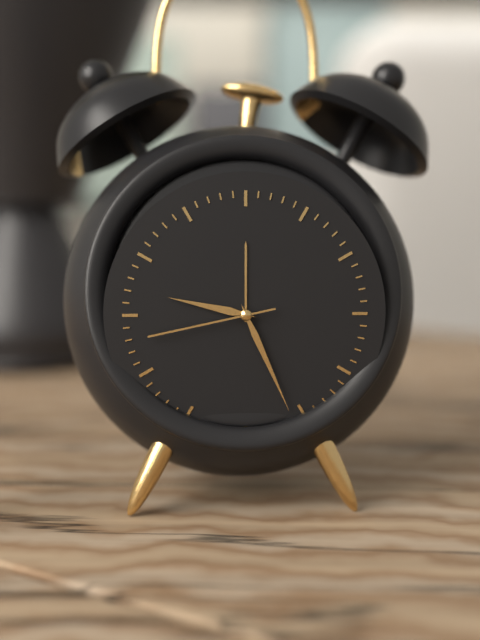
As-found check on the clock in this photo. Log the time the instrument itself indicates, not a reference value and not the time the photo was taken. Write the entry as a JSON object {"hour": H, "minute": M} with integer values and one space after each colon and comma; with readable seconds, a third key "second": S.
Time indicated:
{"hour": 9, "minute": 26, "second": 43}
